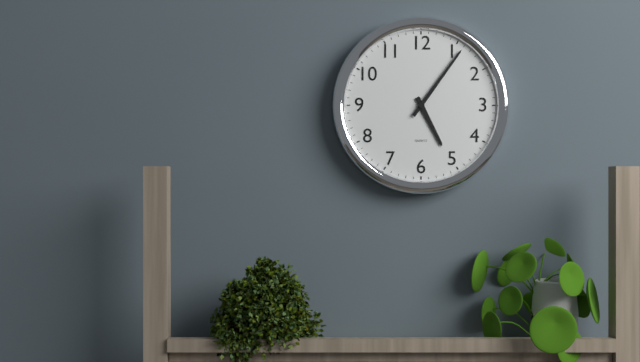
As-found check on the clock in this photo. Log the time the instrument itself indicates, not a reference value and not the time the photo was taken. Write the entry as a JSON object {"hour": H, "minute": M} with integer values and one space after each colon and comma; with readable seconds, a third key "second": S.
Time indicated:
{"hour": 5, "minute": 6}
